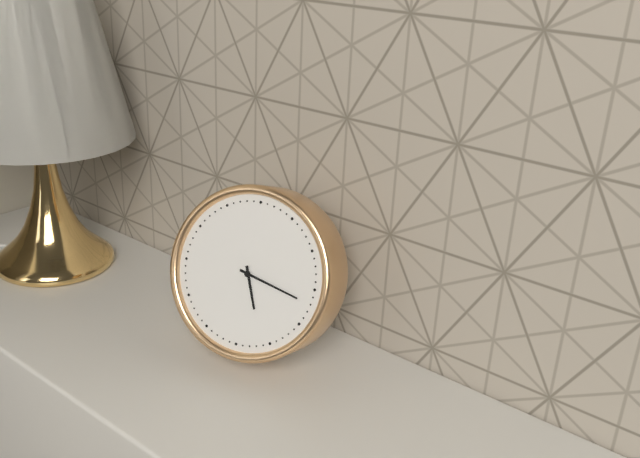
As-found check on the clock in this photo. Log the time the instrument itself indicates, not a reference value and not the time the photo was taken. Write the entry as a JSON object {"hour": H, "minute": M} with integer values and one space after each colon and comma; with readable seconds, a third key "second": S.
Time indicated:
{"hour": 5, "minute": 17}
